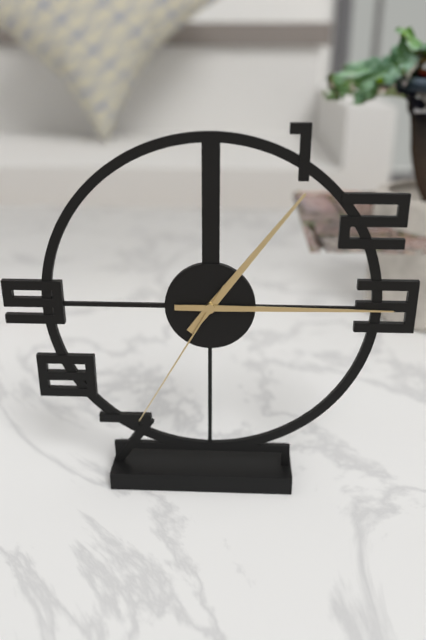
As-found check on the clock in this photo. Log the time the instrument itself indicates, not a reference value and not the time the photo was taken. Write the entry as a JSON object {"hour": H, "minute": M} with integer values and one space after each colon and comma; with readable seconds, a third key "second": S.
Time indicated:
{"hour": 1, "minute": 15, "second": 35}
